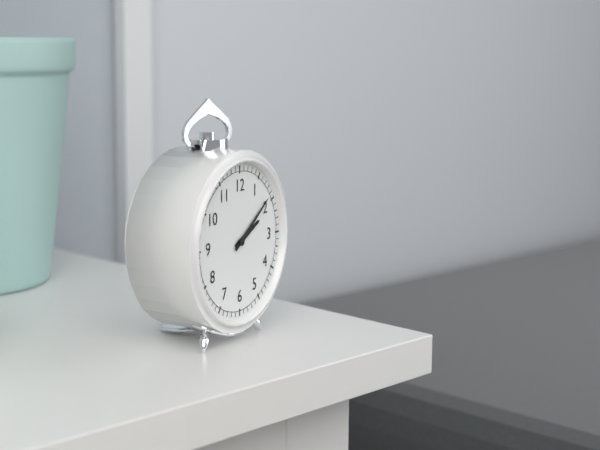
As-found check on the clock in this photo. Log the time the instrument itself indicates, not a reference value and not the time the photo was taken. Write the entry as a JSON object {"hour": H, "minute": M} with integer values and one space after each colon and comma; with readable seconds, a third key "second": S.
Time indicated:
{"hour": 2, "minute": 9}
